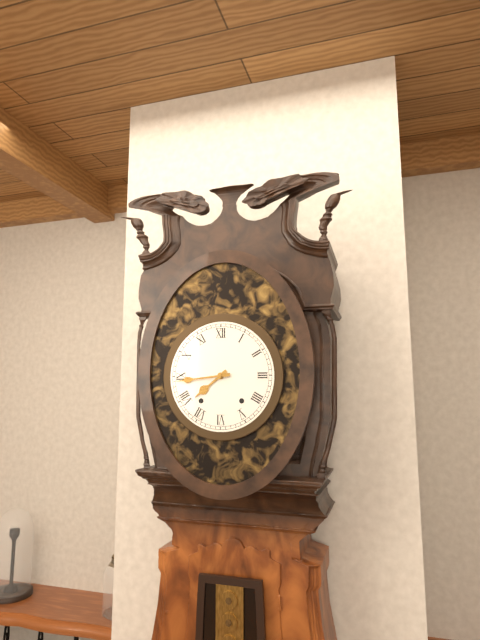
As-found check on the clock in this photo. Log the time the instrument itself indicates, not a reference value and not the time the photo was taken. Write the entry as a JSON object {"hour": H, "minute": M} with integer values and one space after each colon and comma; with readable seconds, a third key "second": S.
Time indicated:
{"hour": 7, "minute": 44}
